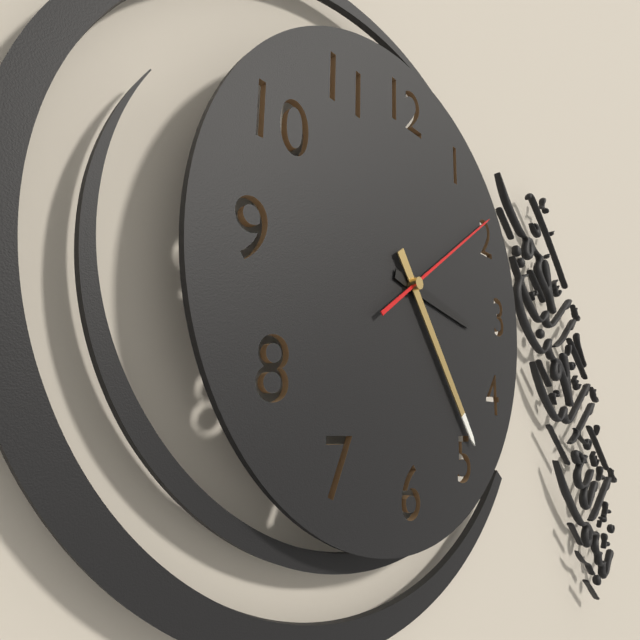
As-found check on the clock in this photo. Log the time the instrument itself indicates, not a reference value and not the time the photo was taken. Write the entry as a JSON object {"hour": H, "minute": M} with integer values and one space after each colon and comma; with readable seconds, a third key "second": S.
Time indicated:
{"hour": 3, "minute": 24, "second": 9}
